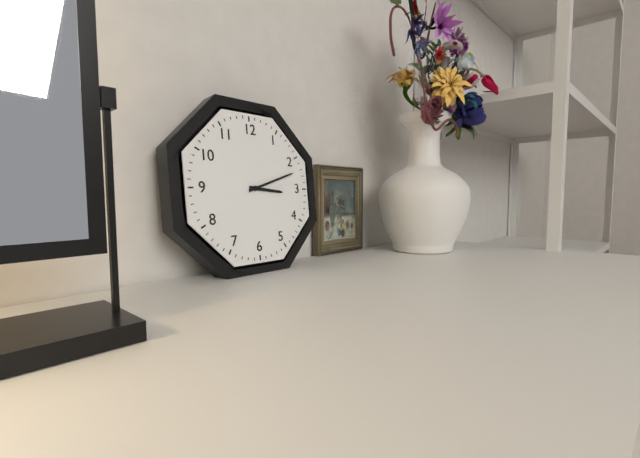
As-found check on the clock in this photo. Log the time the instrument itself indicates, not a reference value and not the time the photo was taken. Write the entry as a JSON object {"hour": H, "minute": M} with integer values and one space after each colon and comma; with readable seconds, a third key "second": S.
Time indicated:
{"hour": 3, "minute": 12}
